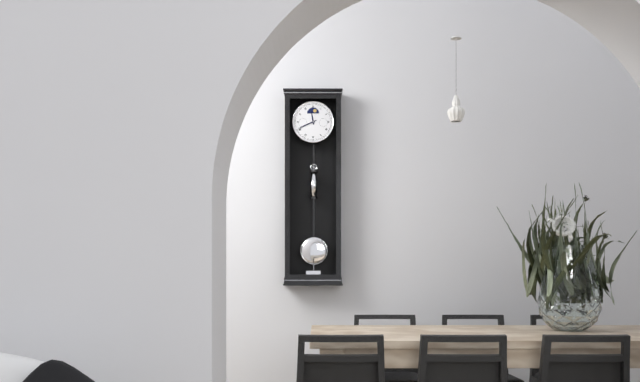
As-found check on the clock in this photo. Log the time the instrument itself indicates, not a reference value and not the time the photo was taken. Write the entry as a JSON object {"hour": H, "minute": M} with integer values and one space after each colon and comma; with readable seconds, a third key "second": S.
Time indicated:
{"hour": 11, "minute": 41}
